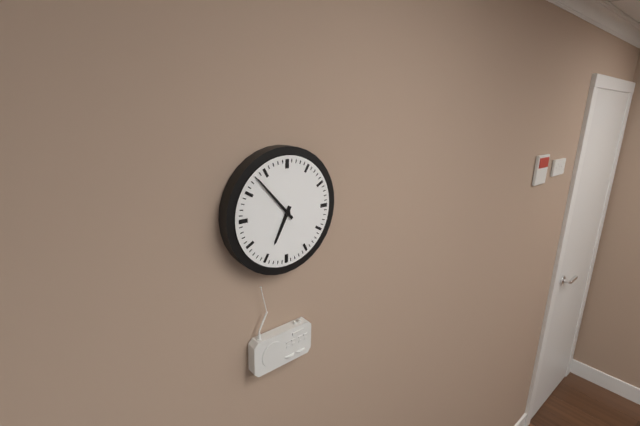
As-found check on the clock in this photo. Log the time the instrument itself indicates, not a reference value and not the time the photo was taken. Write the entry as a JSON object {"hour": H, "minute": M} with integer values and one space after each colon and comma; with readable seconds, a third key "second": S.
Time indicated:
{"hour": 6, "minute": 53}
